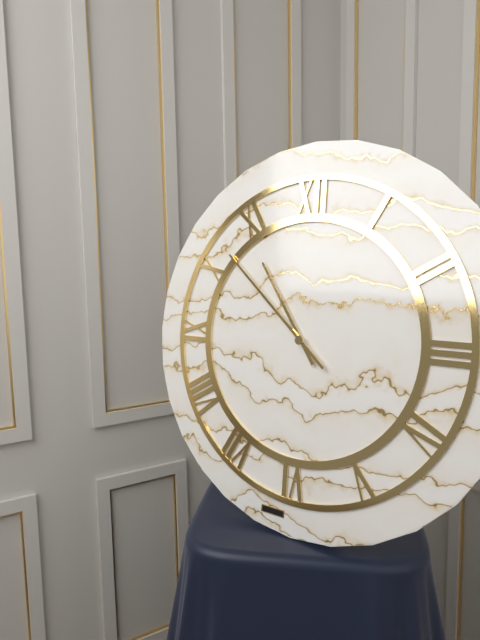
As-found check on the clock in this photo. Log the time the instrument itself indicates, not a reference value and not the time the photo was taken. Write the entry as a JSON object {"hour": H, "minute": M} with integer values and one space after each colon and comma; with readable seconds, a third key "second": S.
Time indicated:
{"hour": 10, "minute": 52}
